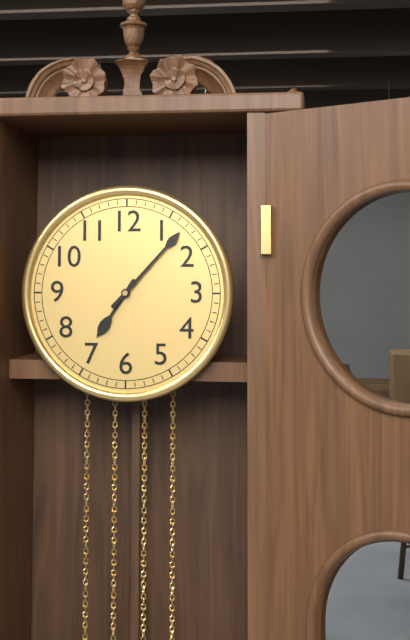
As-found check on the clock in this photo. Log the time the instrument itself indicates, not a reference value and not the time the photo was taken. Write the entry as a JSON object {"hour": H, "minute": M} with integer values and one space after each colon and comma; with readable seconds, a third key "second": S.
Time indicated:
{"hour": 7, "minute": 7}
